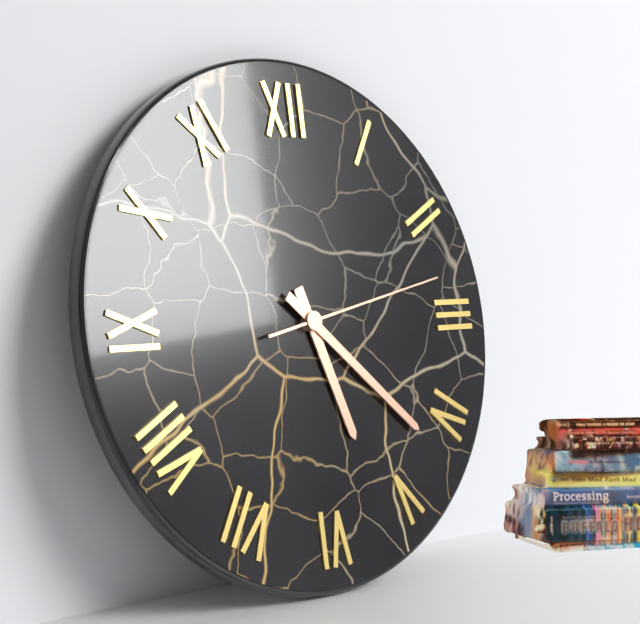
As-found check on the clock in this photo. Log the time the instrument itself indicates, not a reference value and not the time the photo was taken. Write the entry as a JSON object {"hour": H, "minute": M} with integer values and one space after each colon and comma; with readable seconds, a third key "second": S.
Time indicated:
{"hour": 5, "minute": 22, "second": 13}
